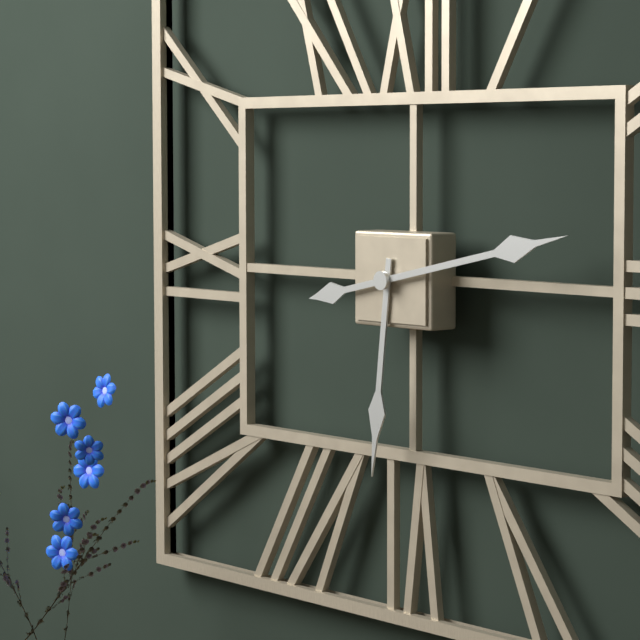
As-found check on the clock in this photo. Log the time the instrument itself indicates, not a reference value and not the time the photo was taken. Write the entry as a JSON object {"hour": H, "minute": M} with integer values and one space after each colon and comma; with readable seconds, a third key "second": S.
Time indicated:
{"hour": 6, "minute": 13}
